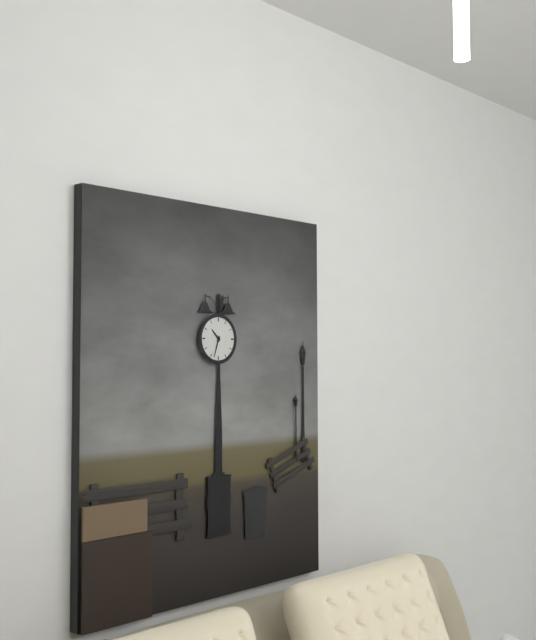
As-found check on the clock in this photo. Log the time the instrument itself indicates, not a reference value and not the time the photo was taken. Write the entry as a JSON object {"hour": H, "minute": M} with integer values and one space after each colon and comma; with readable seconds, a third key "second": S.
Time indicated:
{"hour": 10, "minute": 33}
